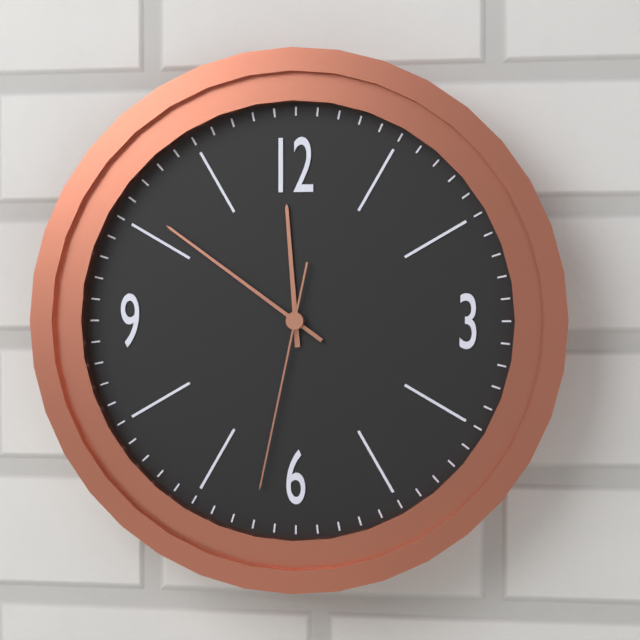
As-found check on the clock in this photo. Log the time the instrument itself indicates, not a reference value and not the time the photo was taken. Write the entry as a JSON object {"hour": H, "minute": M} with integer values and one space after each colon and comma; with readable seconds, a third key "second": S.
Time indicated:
{"hour": 11, "minute": 51, "second": 32}
